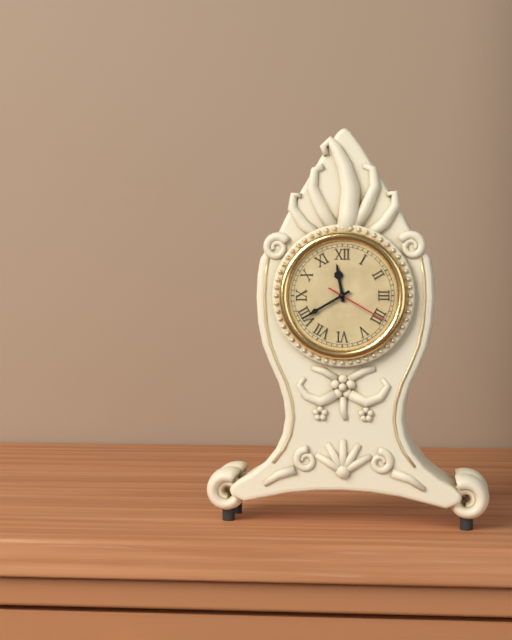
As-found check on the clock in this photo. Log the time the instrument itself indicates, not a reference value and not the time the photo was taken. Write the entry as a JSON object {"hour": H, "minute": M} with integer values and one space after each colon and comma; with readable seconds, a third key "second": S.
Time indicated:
{"hour": 11, "minute": 40, "second": 20}
